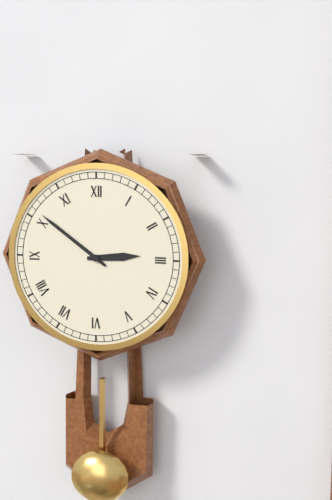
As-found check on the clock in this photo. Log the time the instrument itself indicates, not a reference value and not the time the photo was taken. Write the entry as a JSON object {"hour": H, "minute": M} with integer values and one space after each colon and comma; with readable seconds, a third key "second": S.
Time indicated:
{"hour": 2, "minute": 51}
